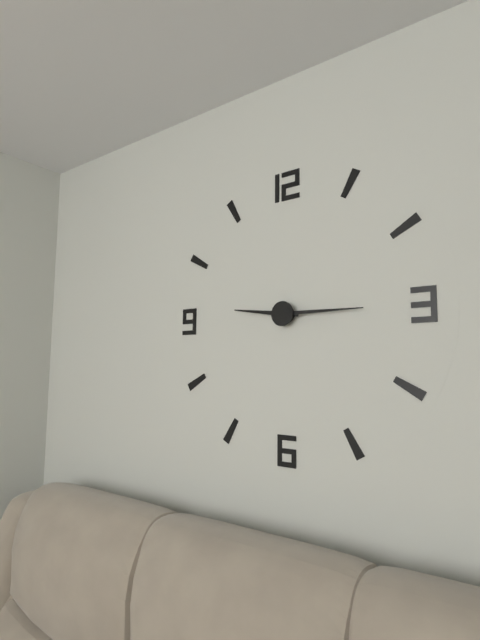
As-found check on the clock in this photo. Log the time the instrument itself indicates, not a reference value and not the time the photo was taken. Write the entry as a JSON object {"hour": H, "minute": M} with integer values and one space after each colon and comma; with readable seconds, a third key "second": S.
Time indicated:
{"hour": 9, "minute": 15}
